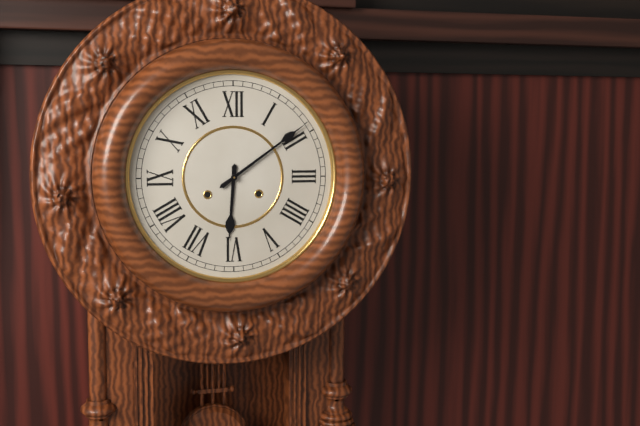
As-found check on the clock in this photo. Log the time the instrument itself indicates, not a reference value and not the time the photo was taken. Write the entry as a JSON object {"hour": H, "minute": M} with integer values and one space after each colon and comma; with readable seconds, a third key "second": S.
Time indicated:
{"hour": 6, "minute": 9}
